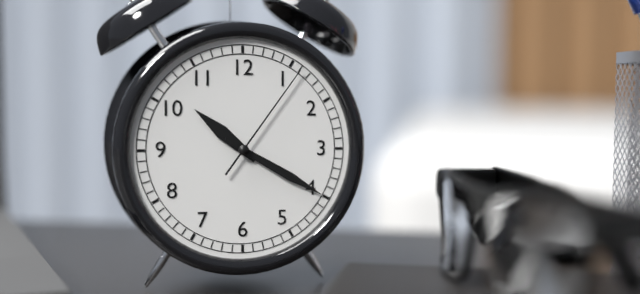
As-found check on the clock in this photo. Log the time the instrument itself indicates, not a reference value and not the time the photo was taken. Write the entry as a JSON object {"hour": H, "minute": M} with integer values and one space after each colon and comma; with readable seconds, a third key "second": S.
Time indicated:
{"hour": 10, "minute": 20, "second": 6}
